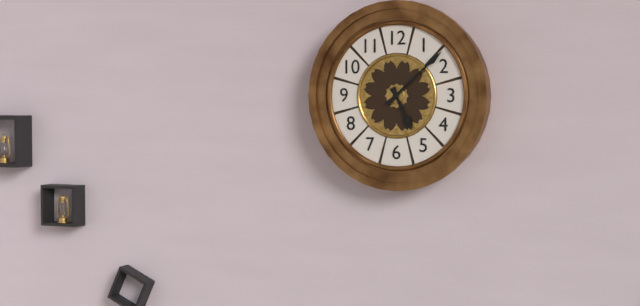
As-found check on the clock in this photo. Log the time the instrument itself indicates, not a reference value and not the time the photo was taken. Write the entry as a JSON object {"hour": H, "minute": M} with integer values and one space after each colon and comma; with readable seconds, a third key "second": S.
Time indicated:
{"hour": 5, "minute": 8}
